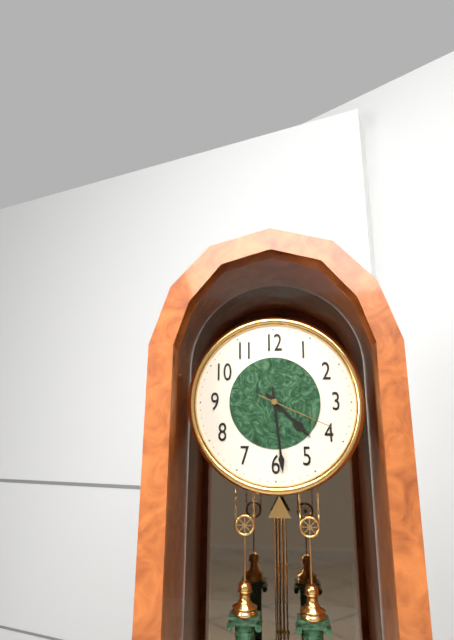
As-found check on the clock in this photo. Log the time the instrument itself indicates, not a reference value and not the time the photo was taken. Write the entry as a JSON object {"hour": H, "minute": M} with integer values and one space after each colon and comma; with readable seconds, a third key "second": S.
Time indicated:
{"hour": 4, "minute": 29, "second": 19}
